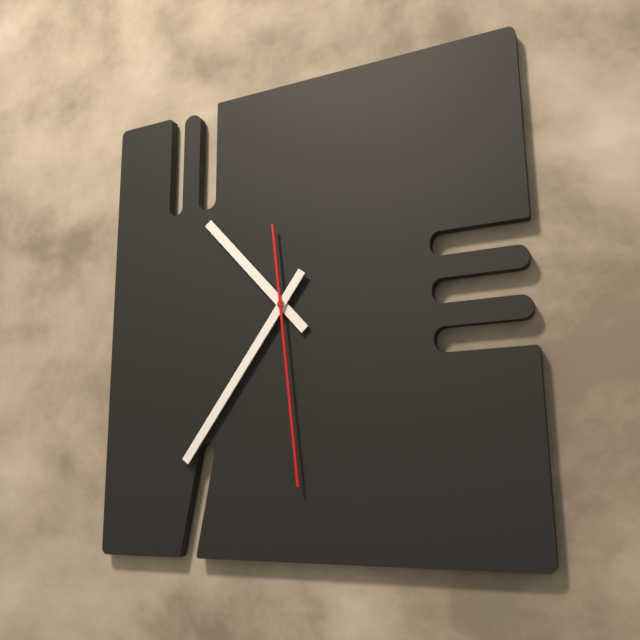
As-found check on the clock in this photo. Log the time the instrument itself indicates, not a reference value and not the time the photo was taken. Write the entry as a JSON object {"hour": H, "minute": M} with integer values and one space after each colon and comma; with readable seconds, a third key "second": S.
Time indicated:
{"hour": 10, "minute": 36, "second": 29}
